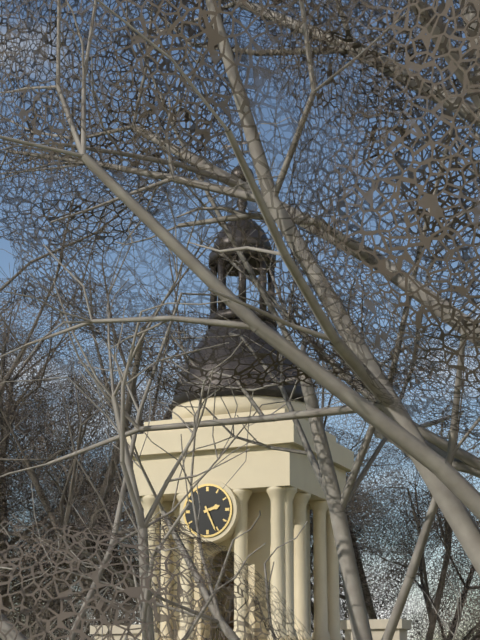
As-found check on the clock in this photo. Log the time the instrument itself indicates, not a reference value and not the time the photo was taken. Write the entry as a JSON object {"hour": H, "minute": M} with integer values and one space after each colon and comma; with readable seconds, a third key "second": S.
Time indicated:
{"hour": 2, "minute": 26}
